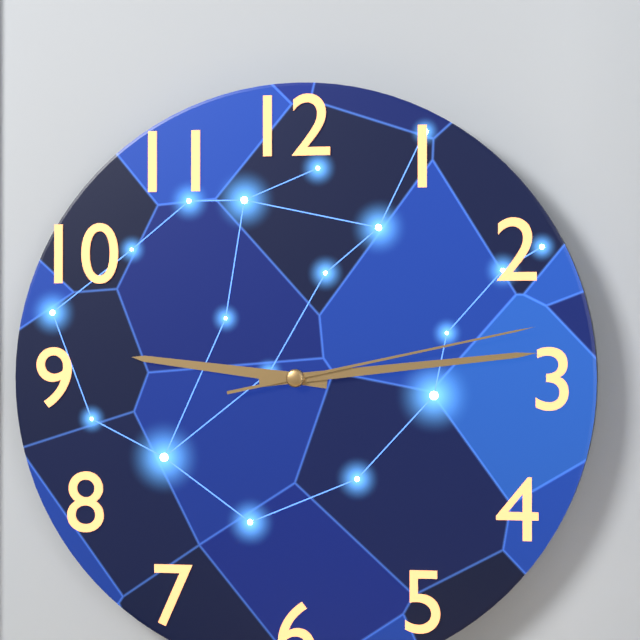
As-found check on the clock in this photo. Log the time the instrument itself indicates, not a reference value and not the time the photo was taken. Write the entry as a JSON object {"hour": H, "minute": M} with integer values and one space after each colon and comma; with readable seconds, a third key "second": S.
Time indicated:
{"hour": 9, "minute": 14, "second": 13}
